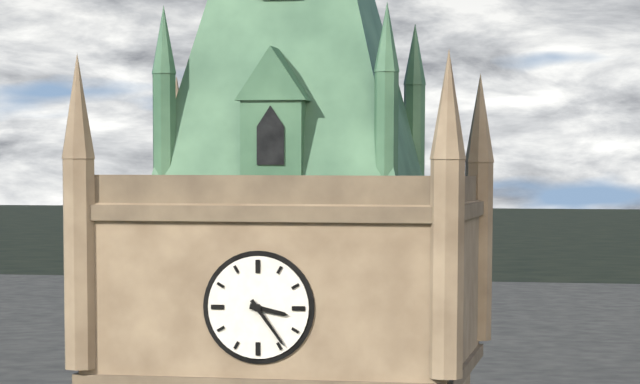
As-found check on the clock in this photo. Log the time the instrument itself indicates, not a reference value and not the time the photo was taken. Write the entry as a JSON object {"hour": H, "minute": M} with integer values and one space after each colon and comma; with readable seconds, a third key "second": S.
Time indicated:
{"hour": 3, "minute": 24}
